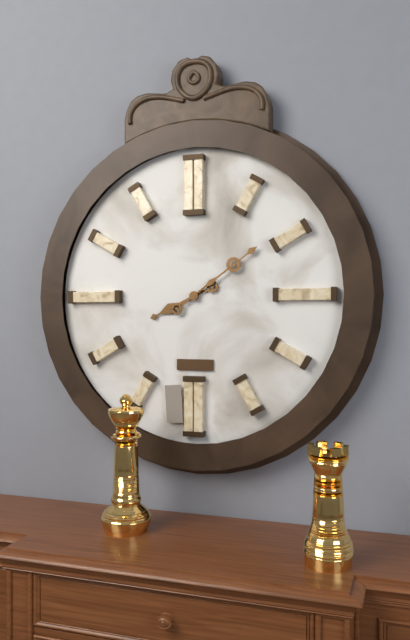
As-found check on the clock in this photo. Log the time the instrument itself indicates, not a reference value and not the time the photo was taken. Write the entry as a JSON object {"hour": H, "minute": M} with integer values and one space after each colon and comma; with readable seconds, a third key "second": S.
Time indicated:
{"hour": 8, "minute": 9}
